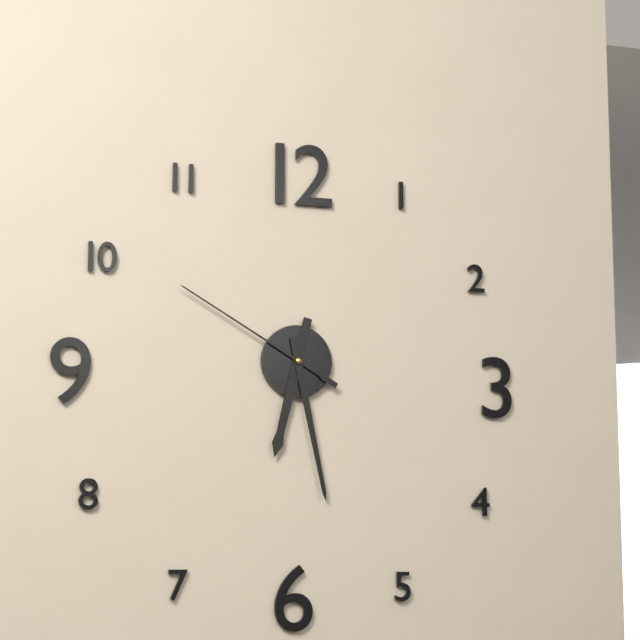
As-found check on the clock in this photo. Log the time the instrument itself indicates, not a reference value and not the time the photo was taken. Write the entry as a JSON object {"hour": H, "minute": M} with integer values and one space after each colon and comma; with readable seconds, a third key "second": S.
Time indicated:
{"hour": 6, "minute": 28, "second": 50}
